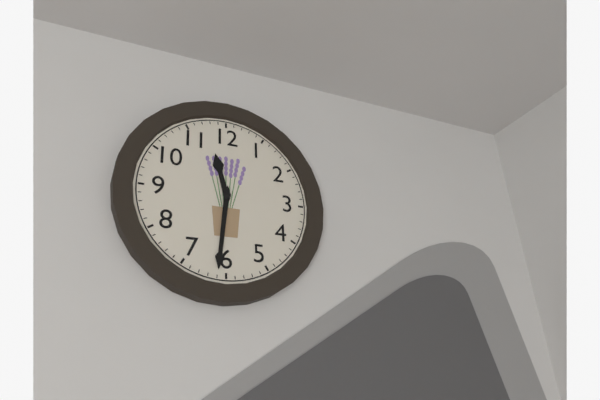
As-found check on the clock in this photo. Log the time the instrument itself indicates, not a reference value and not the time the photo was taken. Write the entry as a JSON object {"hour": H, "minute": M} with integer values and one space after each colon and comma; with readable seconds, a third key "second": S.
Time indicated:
{"hour": 11, "minute": 31}
